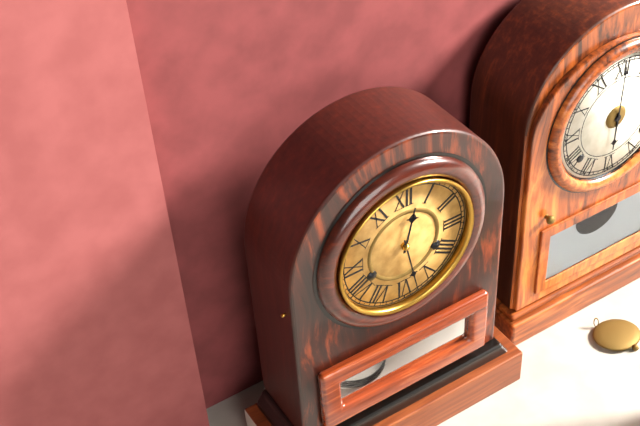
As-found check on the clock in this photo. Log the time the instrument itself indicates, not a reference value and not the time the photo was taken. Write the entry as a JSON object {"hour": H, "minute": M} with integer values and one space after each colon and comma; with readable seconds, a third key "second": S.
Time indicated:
{"hour": 12, "minute": 28}
